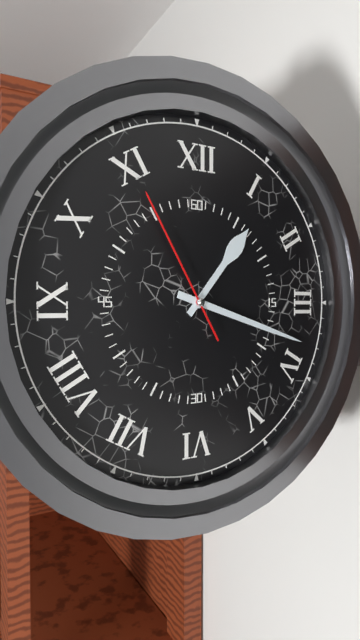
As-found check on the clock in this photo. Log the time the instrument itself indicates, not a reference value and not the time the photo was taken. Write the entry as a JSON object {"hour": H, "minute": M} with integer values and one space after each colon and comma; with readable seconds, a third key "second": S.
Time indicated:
{"hour": 1, "minute": 18, "second": 55}
